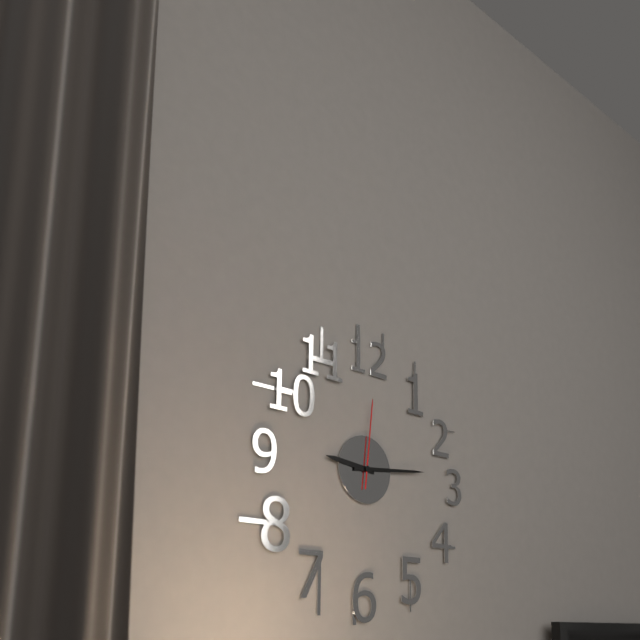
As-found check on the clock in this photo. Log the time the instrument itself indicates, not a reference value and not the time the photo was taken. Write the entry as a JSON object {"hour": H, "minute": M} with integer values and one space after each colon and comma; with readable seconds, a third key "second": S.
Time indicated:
{"hour": 9, "minute": 14, "second": 1}
